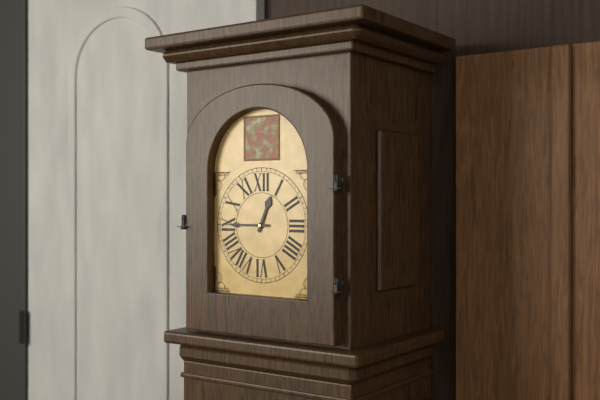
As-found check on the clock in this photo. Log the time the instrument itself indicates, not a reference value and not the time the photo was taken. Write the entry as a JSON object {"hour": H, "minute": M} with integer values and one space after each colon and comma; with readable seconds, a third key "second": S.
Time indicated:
{"hour": 12, "minute": 45}
